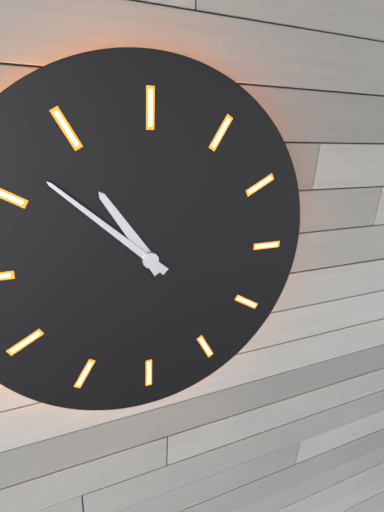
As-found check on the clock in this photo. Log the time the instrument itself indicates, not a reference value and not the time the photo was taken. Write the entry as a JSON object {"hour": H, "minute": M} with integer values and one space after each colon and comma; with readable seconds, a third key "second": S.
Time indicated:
{"hour": 10, "minute": 52}
